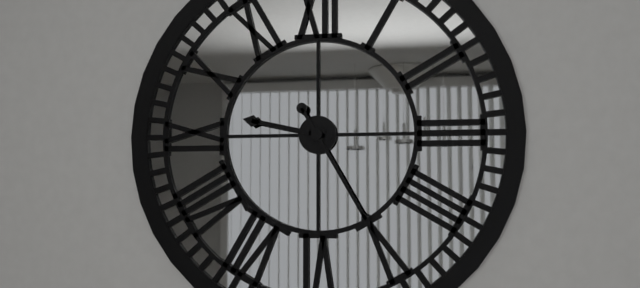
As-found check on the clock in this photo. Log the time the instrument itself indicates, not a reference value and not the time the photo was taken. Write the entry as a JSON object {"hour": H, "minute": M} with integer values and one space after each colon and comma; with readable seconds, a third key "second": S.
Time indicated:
{"hour": 9, "minute": 25}
